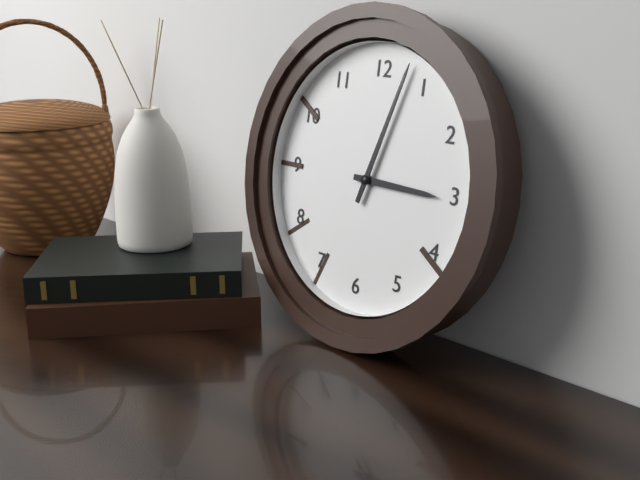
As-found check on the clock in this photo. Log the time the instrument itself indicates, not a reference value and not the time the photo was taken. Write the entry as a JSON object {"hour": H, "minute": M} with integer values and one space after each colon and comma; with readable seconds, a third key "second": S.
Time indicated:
{"hour": 3, "minute": 3}
